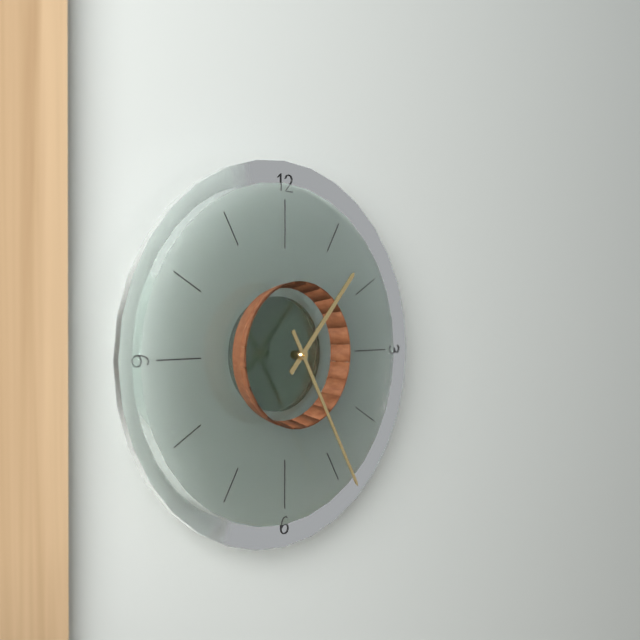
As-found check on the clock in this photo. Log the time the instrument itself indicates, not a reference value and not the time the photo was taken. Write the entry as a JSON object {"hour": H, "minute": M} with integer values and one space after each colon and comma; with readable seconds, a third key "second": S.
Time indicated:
{"hour": 1, "minute": 25}
